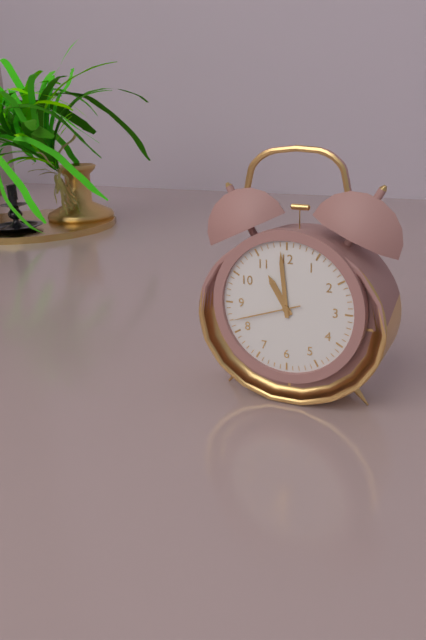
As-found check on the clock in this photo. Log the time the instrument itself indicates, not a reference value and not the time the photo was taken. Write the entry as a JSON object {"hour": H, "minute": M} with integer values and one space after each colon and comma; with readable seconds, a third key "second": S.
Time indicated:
{"hour": 10, "minute": 59, "second": 42}
